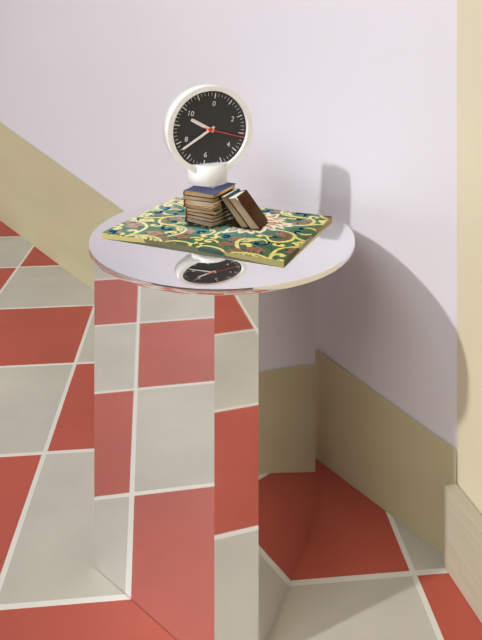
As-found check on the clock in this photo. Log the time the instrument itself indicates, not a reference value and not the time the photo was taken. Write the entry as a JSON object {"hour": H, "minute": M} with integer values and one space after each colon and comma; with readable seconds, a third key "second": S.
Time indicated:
{"hour": 9, "minute": 38}
